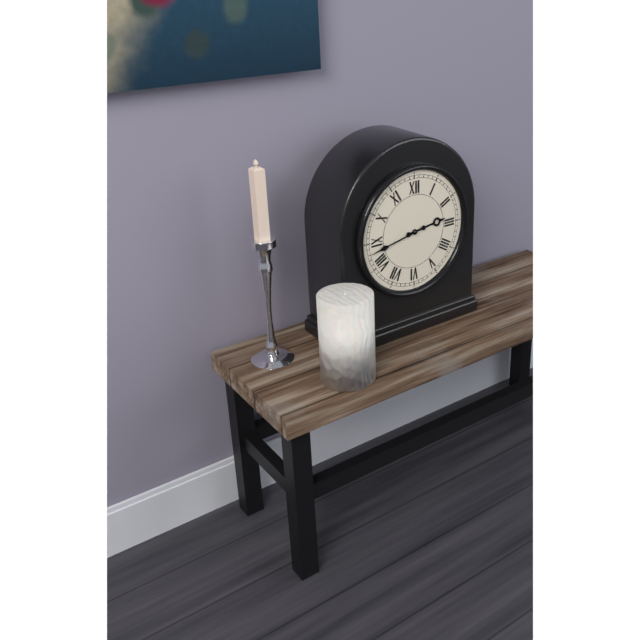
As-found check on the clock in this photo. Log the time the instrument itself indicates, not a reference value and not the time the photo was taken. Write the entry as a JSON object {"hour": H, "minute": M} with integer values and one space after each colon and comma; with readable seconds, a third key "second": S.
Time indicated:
{"hour": 2, "minute": 43}
